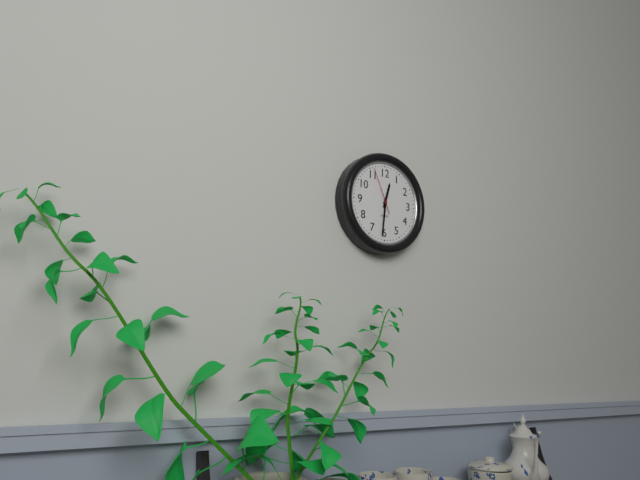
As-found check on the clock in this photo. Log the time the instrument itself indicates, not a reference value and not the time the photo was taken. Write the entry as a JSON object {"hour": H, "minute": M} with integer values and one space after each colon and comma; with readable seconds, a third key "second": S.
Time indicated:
{"hour": 12, "minute": 31}
